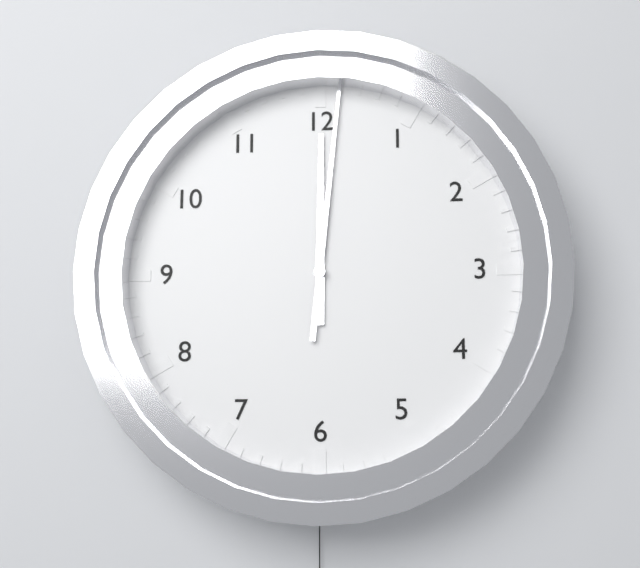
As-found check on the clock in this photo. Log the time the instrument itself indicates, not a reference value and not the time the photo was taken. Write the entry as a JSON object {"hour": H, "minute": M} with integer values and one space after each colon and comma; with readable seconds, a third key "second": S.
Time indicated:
{"hour": 12, "minute": 1, "second": 1}
